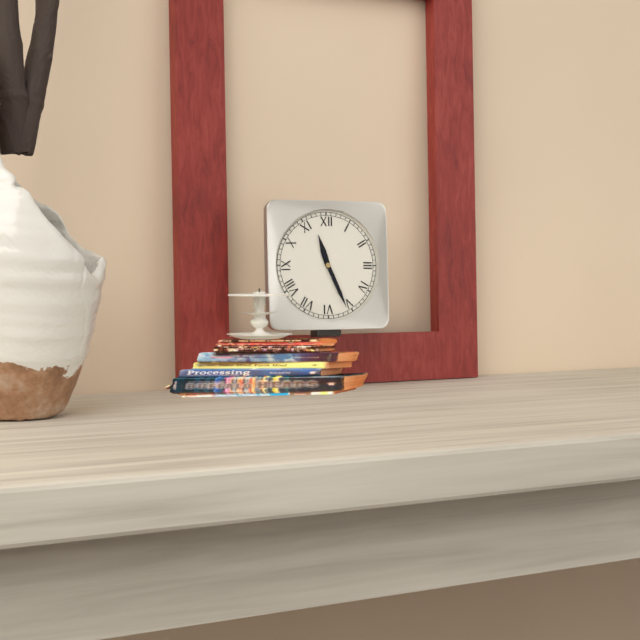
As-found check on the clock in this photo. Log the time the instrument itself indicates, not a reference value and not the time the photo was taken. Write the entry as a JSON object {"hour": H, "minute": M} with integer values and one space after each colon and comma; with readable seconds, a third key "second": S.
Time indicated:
{"hour": 11, "minute": 26}
